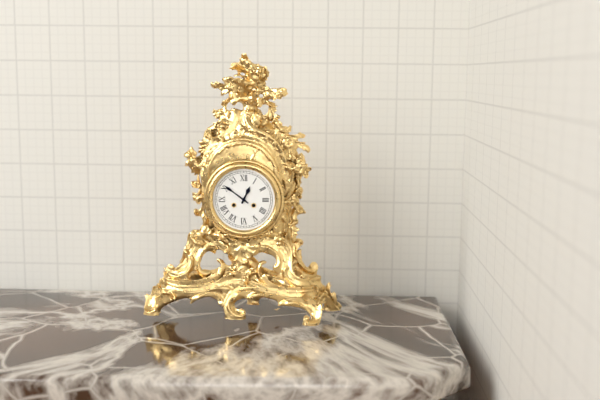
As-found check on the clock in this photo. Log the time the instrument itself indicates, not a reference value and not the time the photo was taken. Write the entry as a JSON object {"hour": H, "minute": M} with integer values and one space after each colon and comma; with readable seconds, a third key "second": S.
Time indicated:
{"hour": 12, "minute": 51}
